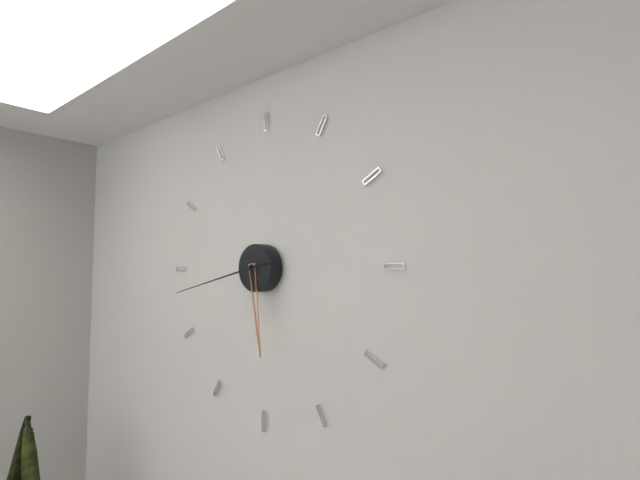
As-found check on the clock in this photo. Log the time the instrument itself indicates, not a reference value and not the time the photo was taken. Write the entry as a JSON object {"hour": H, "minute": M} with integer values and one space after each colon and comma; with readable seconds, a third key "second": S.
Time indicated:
{"hour": 5, "minute": 43}
